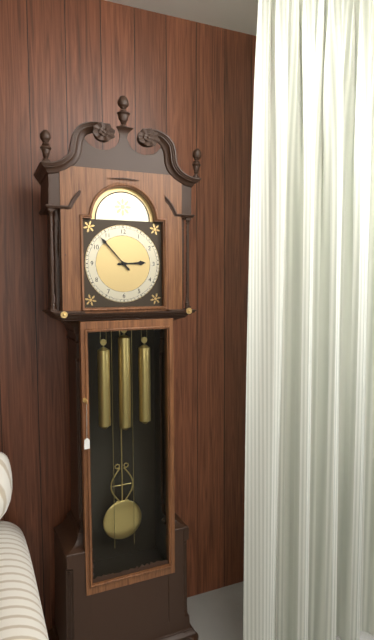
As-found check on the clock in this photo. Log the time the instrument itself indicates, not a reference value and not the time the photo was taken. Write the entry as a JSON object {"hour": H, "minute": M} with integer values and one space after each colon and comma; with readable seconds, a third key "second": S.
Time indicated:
{"hour": 2, "minute": 53}
